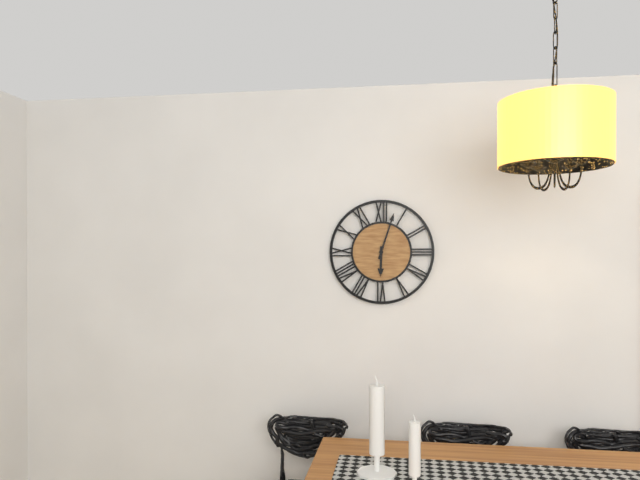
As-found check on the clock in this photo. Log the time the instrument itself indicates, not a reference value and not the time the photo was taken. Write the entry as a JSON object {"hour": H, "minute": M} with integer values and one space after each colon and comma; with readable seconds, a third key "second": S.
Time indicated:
{"hour": 6, "minute": 3}
